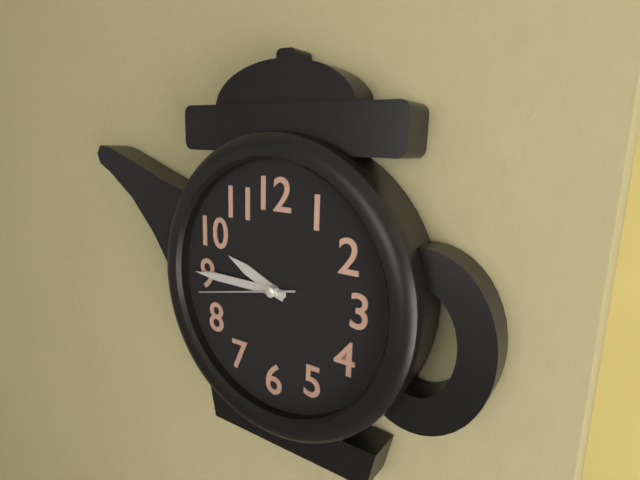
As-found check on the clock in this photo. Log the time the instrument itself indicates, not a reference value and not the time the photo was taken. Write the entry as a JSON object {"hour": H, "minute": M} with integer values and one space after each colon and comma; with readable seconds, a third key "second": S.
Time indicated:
{"hour": 9, "minute": 45, "second": 43}
